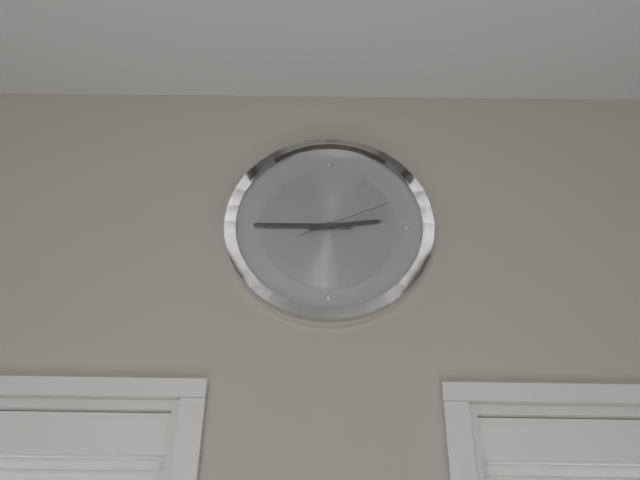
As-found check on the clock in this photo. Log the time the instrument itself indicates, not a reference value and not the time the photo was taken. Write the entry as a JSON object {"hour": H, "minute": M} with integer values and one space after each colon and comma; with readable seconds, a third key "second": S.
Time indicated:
{"hour": 2, "minute": 45, "second": 11}
